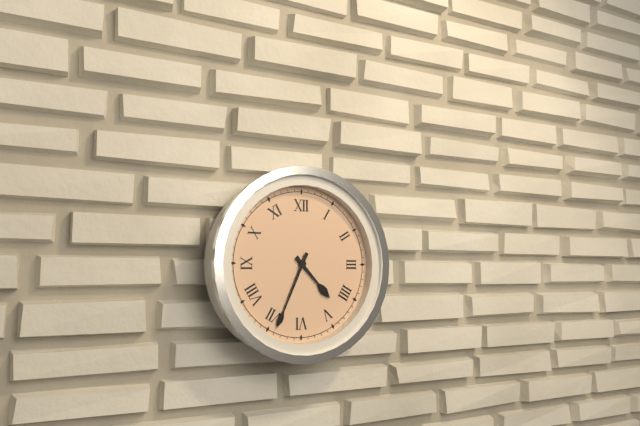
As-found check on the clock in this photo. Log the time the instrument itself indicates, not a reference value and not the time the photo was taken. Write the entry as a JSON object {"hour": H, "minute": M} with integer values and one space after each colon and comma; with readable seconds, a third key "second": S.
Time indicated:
{"hour": 4, "minute": 34}
